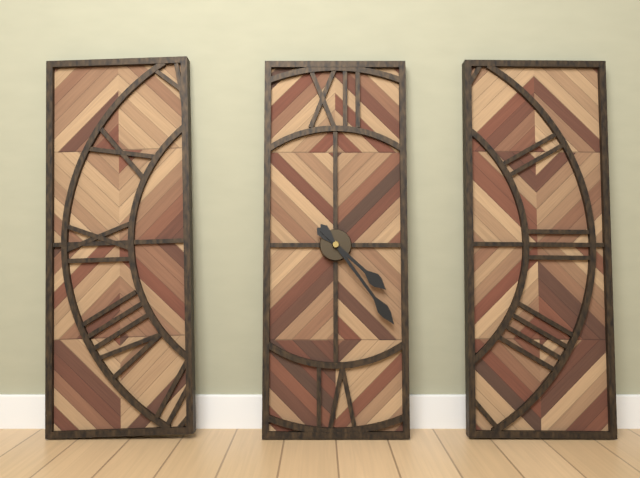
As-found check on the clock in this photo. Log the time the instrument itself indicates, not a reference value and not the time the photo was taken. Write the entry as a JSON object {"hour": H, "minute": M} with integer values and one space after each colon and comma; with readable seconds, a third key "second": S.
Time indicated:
{"hour": 4, "minute": 24}
